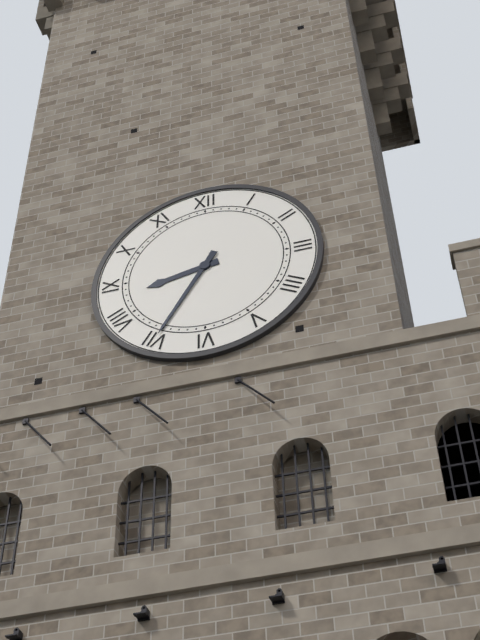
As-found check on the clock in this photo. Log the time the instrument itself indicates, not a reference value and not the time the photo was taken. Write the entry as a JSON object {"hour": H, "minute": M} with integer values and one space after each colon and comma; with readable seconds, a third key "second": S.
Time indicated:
{"hour": 8, "minute": 35}
